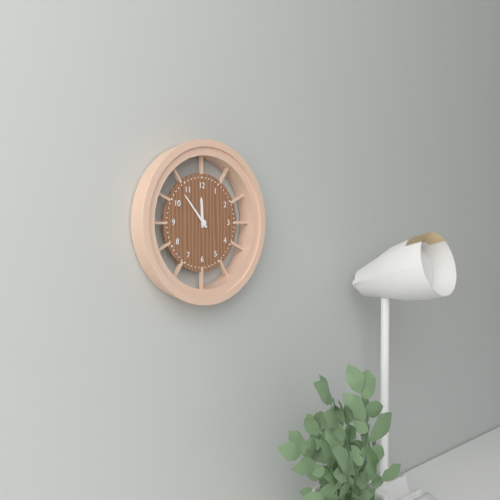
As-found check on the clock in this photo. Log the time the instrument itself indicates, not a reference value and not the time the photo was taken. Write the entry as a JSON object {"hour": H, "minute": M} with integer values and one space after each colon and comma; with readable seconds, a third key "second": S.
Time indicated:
{"hour": 11, "minute": 53}
